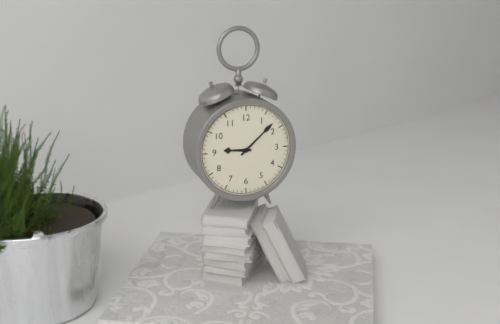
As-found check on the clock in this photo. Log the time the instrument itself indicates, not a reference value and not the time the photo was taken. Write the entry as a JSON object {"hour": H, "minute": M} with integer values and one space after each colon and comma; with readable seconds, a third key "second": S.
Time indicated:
{"hour": 9, "minute": 8}
